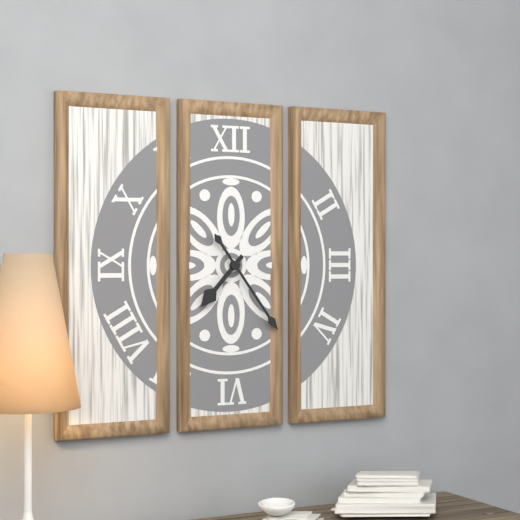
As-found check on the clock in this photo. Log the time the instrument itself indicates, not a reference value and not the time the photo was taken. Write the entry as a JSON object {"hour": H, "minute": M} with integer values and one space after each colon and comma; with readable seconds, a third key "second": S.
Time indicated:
{"hour": 7, "minute": 24}
